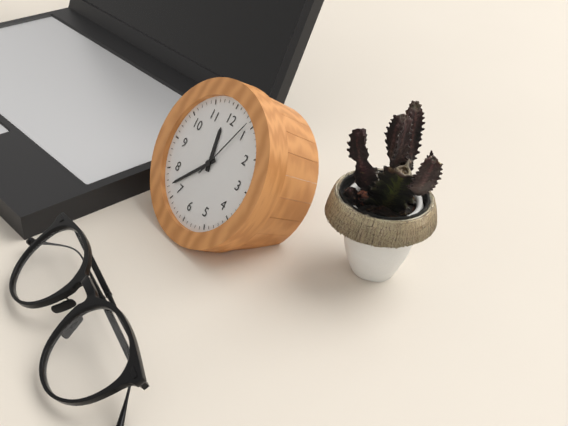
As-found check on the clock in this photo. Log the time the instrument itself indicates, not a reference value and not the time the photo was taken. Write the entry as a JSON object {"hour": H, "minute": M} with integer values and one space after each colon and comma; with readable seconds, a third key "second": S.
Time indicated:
{"hour": 11, "minute": 37, "second": 4}
